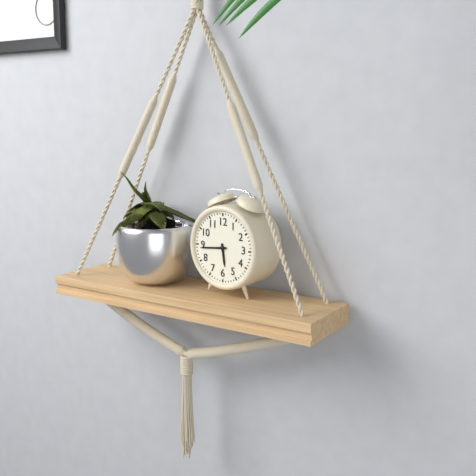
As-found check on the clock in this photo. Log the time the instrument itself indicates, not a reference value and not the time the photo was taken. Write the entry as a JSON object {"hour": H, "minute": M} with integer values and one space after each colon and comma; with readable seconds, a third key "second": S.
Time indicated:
{"hour": 5, "minute": 44}
